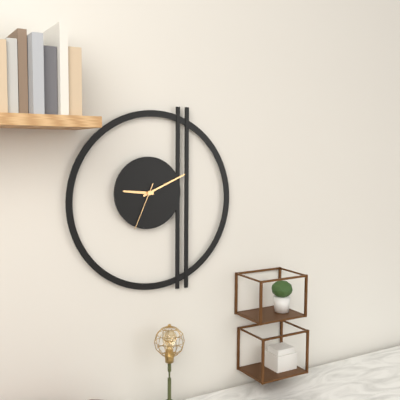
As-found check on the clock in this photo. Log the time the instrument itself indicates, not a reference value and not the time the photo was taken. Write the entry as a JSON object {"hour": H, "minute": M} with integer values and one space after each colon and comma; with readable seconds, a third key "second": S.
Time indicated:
{"hour": 9, "minute": 11}
